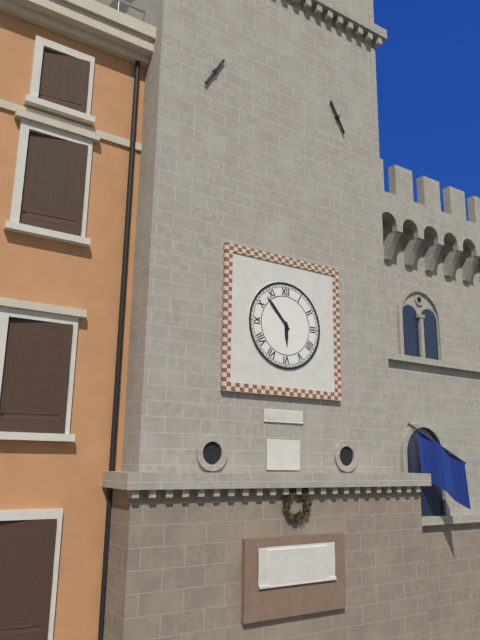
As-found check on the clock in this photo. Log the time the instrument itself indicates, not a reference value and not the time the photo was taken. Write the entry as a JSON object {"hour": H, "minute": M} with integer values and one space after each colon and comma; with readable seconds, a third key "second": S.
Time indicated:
{"hour": 5, "minute": 53}
